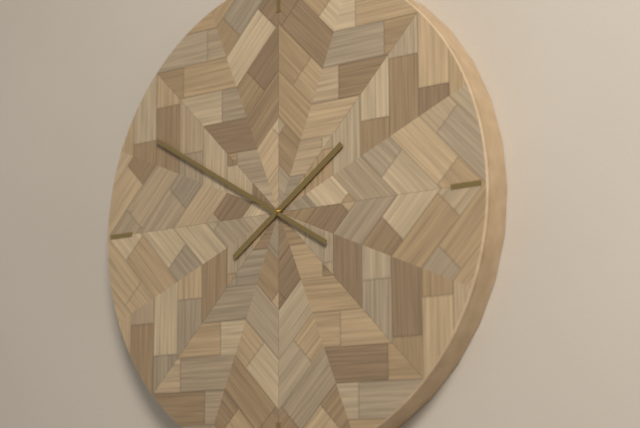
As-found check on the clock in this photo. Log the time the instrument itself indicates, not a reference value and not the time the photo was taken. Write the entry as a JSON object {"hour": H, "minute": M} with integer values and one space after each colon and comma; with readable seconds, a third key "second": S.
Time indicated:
{"hour": 1, "minute": 50}
